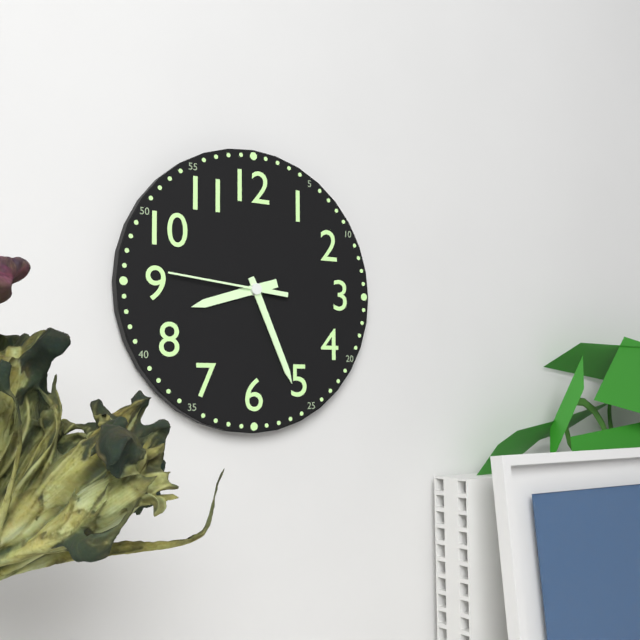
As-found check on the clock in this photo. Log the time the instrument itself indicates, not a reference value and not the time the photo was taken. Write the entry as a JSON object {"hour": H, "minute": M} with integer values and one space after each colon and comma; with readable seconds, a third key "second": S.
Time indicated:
{"hour": 8, "minute": 26, "second": 46}
